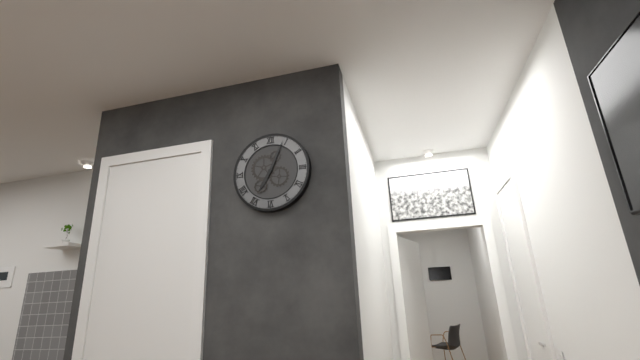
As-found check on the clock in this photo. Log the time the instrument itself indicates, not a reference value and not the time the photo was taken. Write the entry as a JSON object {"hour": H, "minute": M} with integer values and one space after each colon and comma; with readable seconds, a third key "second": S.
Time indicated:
{"hour": 7, "minute": 4}
